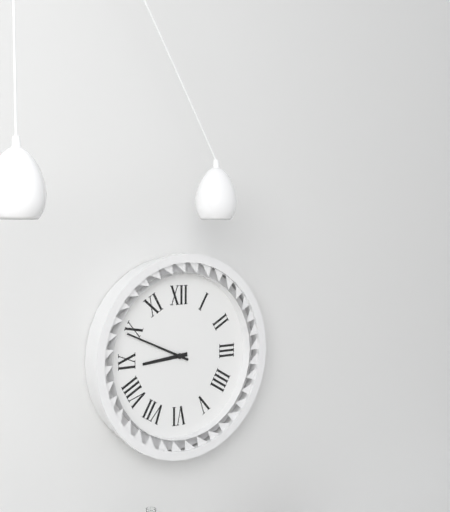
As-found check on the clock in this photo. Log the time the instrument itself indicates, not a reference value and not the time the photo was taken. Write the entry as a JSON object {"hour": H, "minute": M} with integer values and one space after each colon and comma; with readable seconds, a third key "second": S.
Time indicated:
{"hour": 8, "minute": 49}
